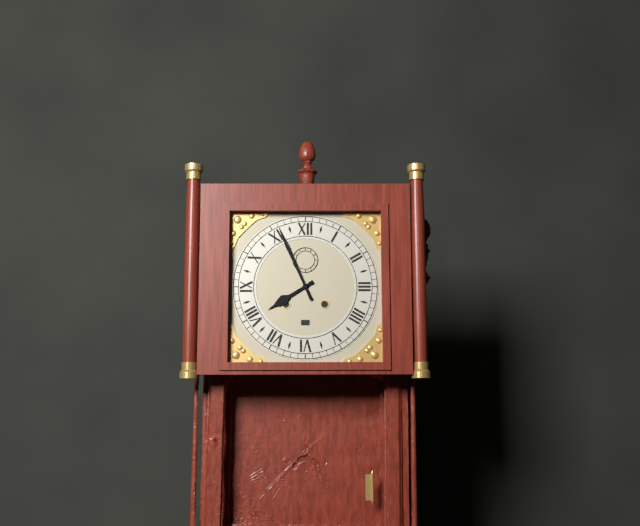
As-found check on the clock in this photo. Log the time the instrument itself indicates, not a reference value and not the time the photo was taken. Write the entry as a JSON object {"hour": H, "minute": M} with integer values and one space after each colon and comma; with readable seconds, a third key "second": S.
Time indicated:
{"hour": 7, "minute": 56}
